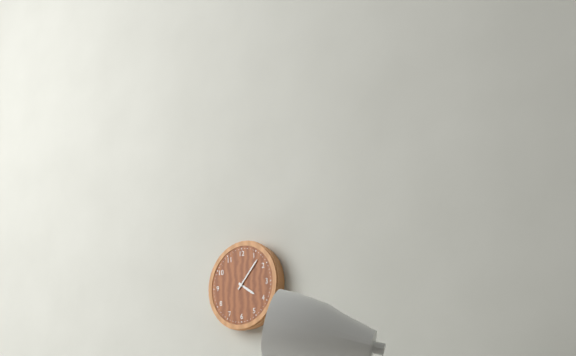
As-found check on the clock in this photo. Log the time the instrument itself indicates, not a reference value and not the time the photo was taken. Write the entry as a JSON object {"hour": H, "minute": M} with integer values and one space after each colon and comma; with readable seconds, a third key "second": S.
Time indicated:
{"hour": 4, "minute": 7}
